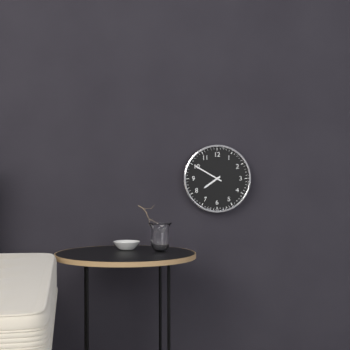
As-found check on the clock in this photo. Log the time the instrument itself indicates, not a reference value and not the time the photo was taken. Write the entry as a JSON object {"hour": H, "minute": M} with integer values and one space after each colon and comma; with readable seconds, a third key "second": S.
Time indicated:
{"hour": 7, "minute": 50}
